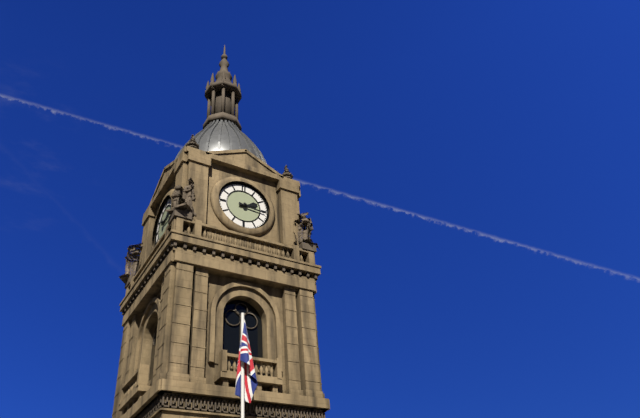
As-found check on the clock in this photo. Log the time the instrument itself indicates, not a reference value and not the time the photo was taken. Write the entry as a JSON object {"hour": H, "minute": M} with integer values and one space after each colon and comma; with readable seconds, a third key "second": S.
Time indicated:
{"hour": 2, "minute": 16}
